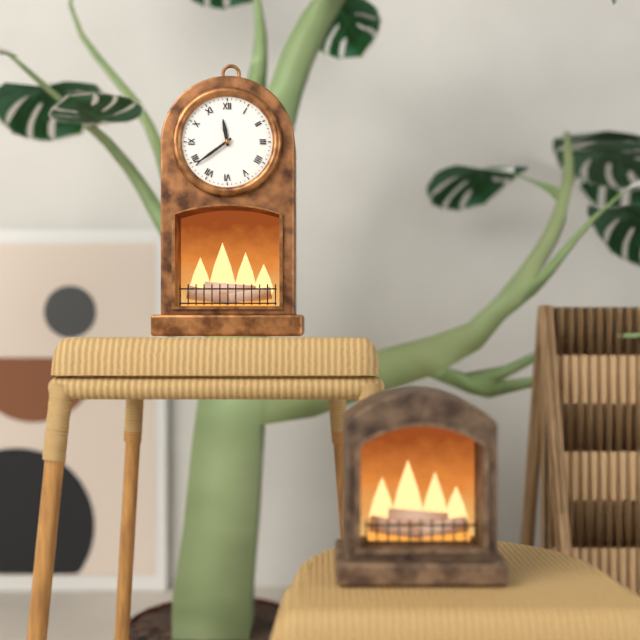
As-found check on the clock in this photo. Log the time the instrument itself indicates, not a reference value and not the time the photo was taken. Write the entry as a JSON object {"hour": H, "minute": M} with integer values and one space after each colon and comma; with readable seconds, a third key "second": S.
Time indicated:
{"hour": 11, "minute": 39}
